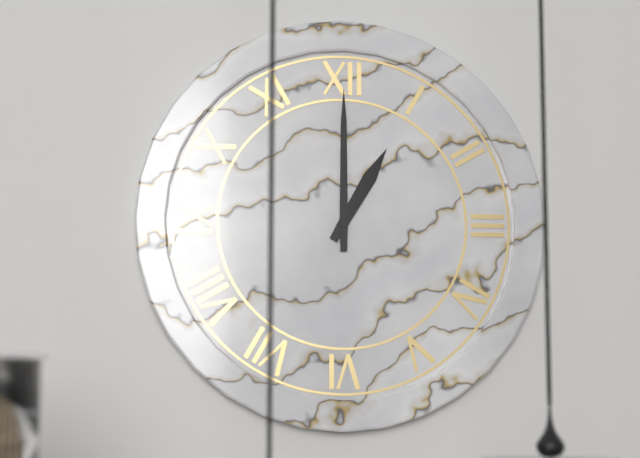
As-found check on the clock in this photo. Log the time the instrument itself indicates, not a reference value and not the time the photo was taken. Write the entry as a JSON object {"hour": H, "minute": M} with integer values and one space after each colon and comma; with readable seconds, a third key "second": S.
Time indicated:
{"hour": 1, "minute": 0}
